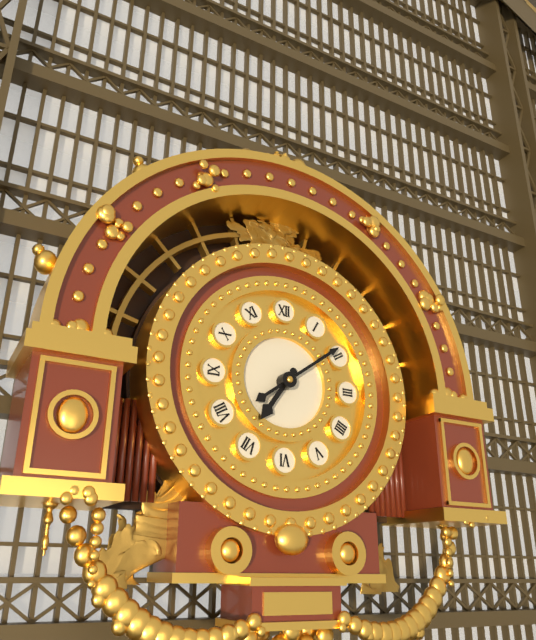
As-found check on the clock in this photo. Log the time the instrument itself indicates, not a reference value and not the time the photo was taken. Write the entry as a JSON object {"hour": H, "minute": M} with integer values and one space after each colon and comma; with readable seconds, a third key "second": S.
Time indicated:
{"hour": 7, "minute": 9}
